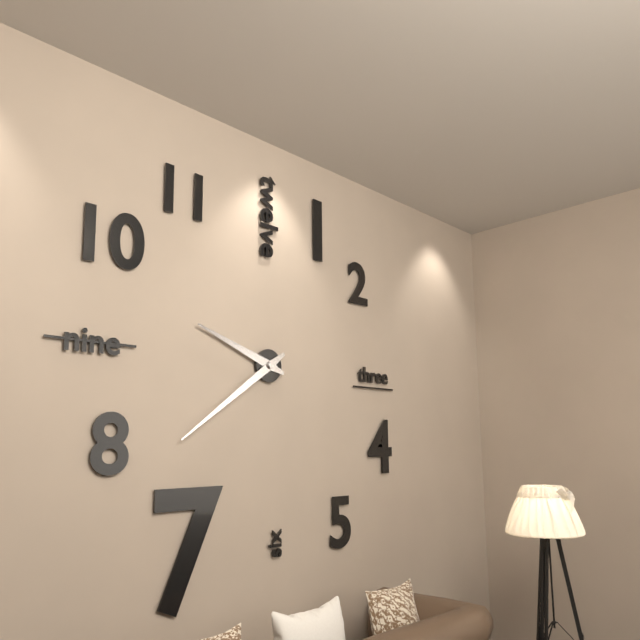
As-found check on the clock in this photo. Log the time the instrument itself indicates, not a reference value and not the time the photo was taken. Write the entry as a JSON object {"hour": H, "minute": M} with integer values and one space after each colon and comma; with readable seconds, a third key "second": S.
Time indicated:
{"hour": 9, "minute": 39}
